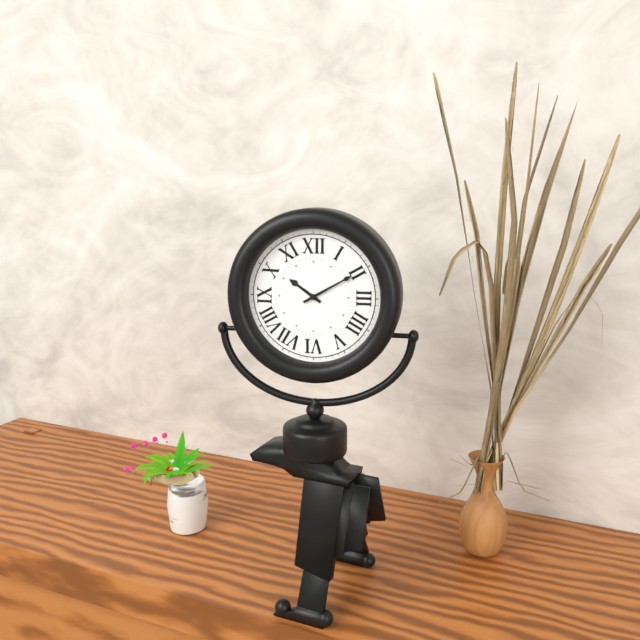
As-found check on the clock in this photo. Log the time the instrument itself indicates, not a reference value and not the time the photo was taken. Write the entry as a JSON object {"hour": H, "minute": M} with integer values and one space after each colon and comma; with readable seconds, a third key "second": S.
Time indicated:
{"hour": 10, "minute": 10}
